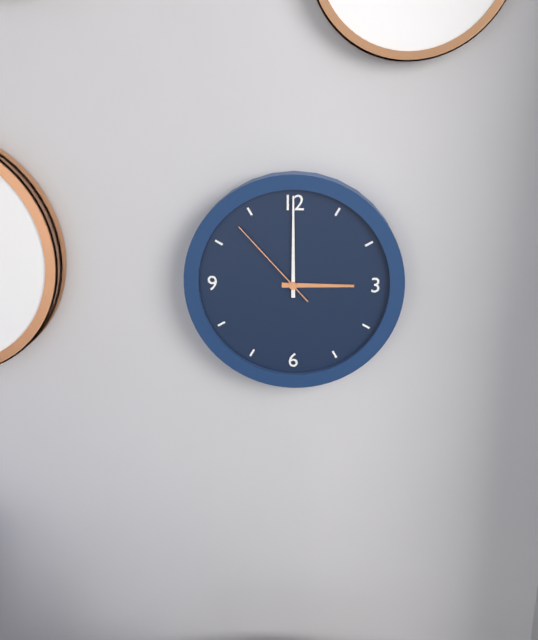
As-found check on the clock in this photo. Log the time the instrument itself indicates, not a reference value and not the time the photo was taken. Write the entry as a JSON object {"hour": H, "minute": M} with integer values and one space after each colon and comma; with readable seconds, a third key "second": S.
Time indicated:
{"hour": 3, "minute": 0, "second": 53}
